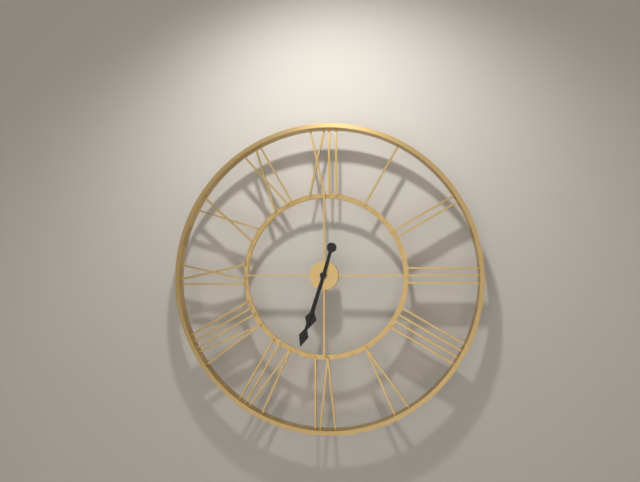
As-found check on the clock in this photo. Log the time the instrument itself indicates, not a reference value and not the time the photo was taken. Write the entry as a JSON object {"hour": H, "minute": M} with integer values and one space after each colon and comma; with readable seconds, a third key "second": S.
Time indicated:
{"hour": 6, "minute": 33}
